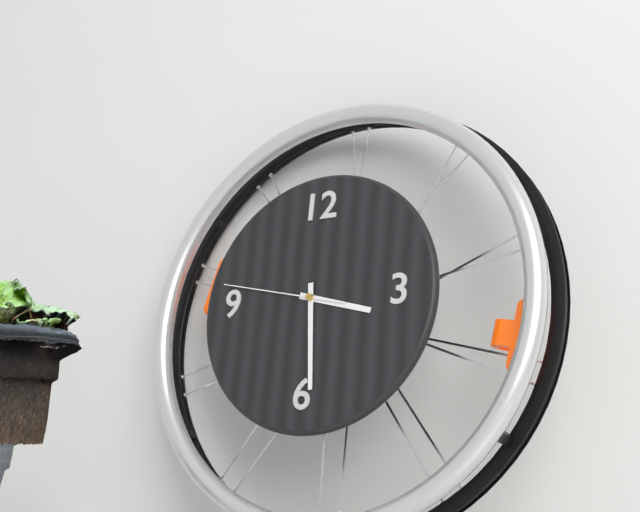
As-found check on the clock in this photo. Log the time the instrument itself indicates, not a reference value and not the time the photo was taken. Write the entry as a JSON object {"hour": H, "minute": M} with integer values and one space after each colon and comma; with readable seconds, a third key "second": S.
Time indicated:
{"hour": 3, "minute": 29, "second": 47}
